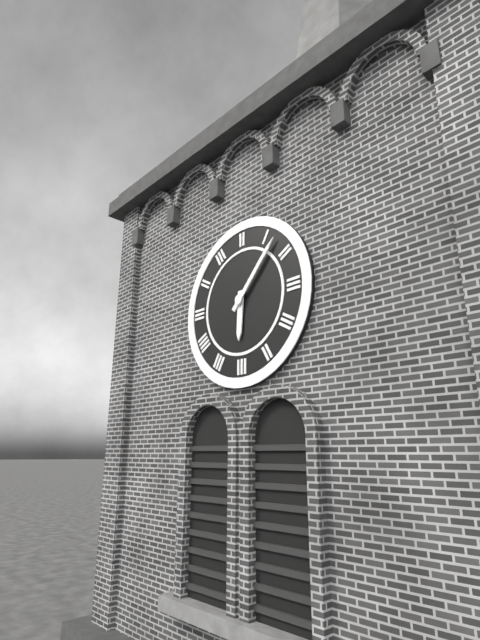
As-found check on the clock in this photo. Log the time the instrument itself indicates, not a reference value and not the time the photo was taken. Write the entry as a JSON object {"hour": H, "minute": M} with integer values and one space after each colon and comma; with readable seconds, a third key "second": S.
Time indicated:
{"hour": 6, "minute": 7}
